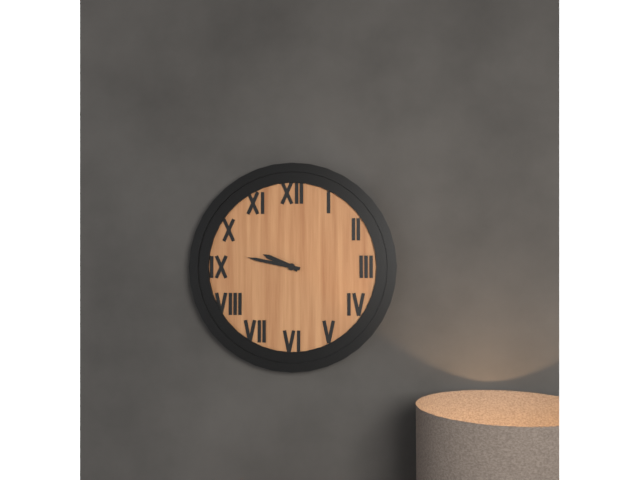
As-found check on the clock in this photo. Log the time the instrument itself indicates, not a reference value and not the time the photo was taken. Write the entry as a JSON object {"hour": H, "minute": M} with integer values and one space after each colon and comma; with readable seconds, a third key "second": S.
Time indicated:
{"hour": 9, "minute": 47}
